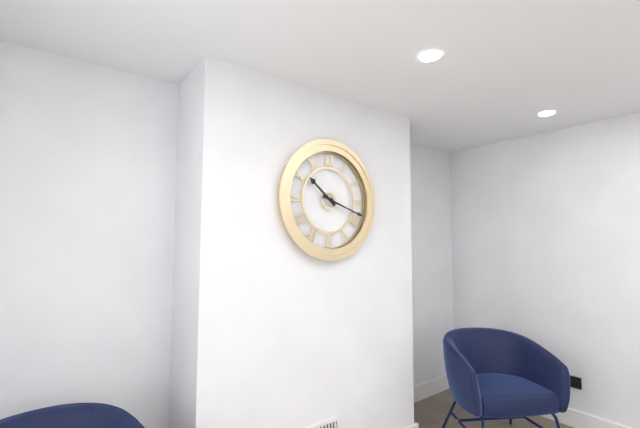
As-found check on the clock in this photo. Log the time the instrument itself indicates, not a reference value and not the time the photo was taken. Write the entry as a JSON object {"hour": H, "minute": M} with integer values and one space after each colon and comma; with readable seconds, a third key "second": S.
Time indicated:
{"hour": 10, "minute": 18}
